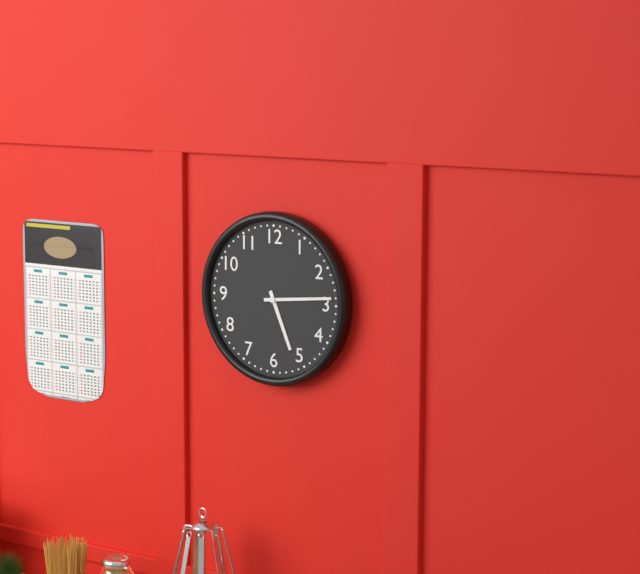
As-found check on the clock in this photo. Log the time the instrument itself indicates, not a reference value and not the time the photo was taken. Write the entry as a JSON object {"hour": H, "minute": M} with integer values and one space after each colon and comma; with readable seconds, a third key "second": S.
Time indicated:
{"hour": 5, "minute": 14}
